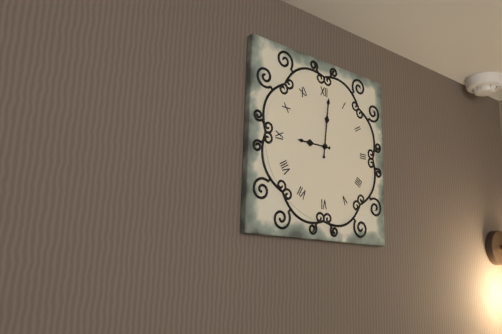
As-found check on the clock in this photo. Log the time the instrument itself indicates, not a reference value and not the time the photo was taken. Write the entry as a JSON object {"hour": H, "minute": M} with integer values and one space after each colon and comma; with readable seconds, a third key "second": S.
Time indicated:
{"hour": 9, "minute": 1}
